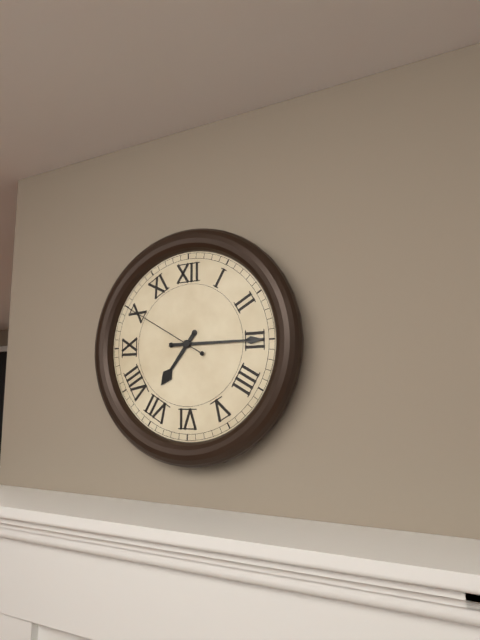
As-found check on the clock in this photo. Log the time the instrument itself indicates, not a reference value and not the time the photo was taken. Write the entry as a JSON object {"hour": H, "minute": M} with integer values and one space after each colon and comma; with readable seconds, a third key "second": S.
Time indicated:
{"hour": 7, "minute": 15, "second": 50}
